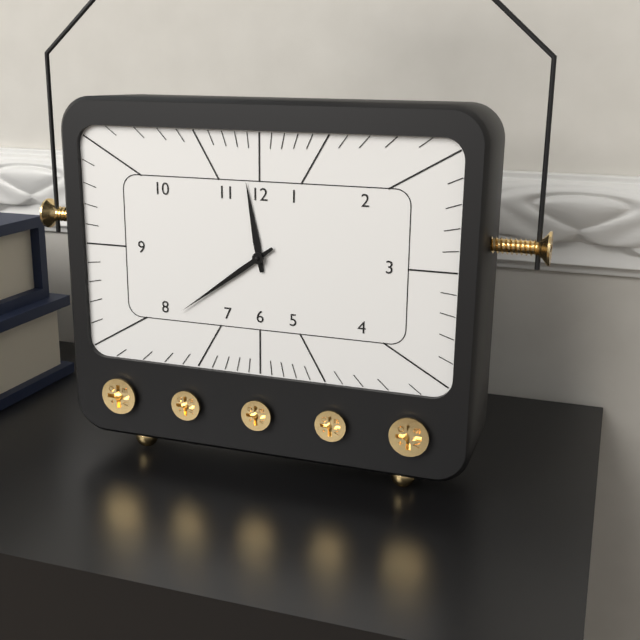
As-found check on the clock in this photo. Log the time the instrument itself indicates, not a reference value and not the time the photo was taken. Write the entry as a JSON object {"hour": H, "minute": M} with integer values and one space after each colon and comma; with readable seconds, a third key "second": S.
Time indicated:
{"hour": 11, "minute": 39}
